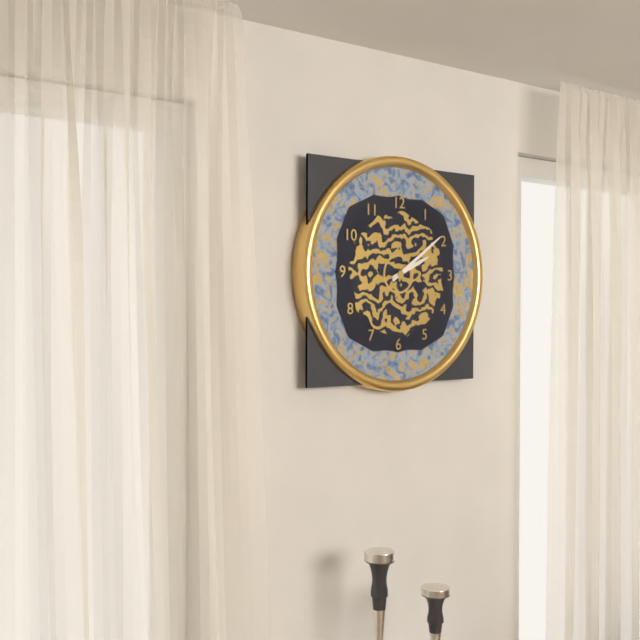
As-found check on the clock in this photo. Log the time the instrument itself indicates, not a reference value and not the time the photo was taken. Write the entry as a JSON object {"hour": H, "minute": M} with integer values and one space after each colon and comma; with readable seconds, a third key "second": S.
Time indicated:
{"hour": 2, "minute": 9}
